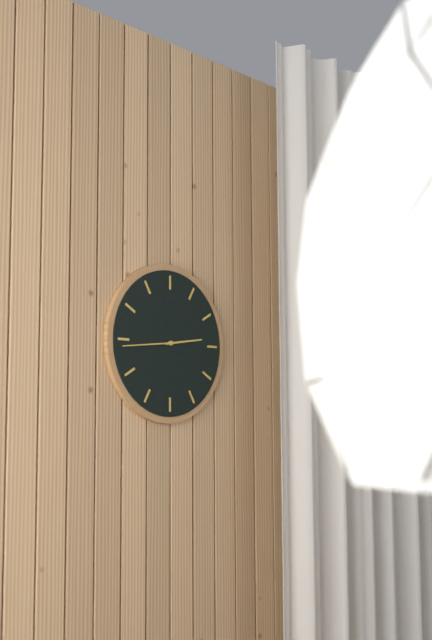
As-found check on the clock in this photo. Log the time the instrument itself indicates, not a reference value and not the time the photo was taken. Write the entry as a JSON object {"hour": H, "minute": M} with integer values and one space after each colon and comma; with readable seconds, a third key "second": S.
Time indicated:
{"hour": 2, "minute": 44}
